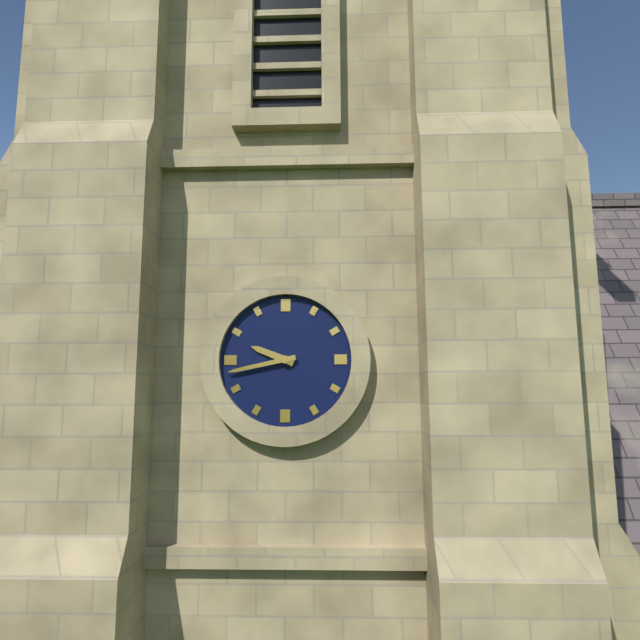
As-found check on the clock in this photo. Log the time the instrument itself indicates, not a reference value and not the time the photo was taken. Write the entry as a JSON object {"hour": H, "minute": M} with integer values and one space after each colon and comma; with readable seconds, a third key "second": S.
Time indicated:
{"hour": 9, "minute": 43}
